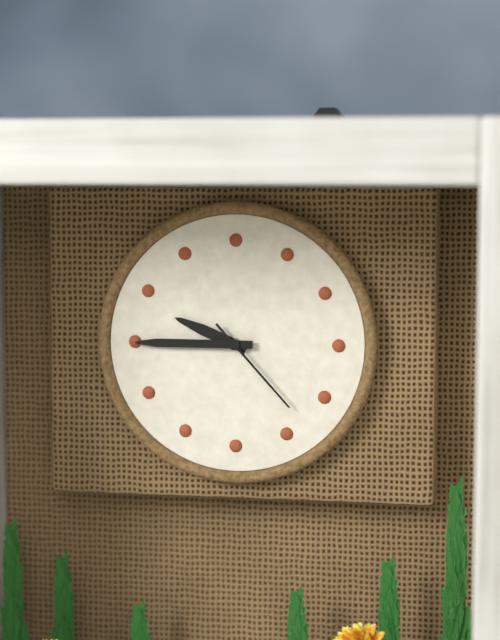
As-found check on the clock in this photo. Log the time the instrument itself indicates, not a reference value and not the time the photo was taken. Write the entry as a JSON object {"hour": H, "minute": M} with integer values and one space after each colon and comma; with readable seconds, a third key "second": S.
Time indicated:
{"hour": 9, "minute": 45, "second": 23}
